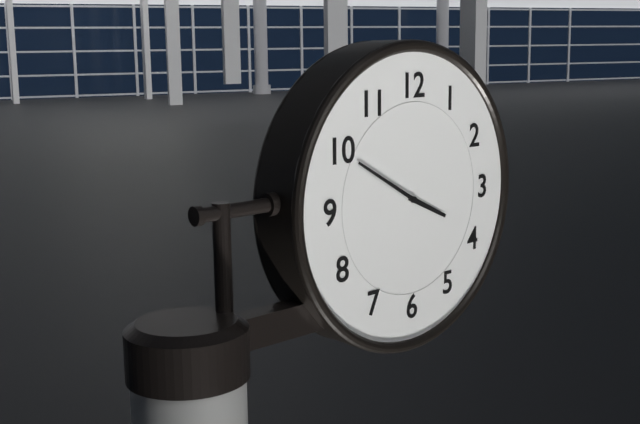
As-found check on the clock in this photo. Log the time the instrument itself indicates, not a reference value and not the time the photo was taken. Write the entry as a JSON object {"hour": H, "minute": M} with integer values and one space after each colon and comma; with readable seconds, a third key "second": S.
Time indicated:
{"hour": 3, "minute": 50}
